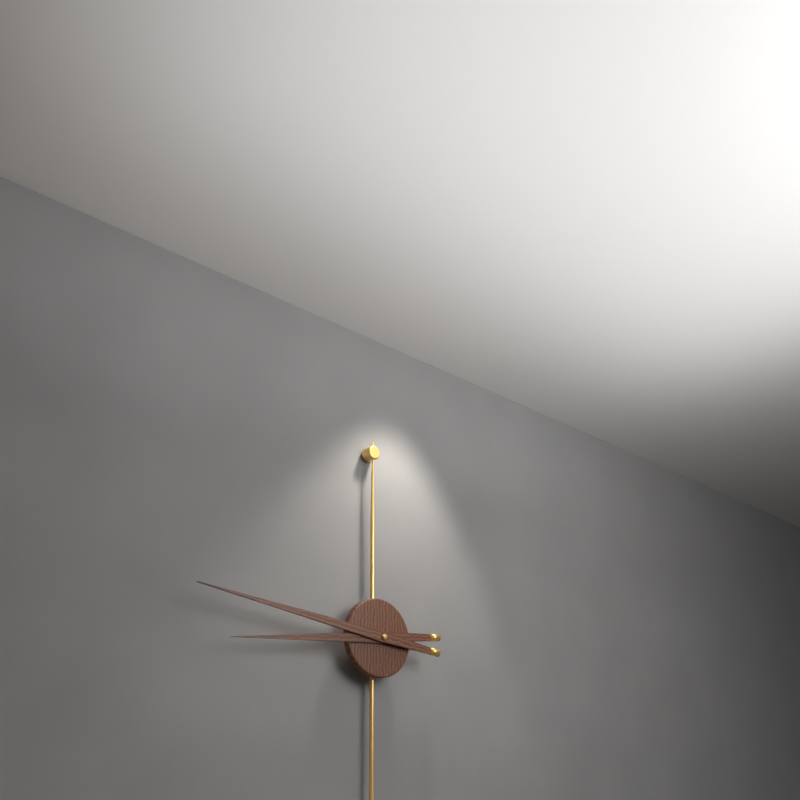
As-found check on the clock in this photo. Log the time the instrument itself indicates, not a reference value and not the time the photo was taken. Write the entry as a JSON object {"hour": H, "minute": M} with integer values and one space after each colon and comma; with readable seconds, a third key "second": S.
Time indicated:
{"hour": 8, "minute": 46}
